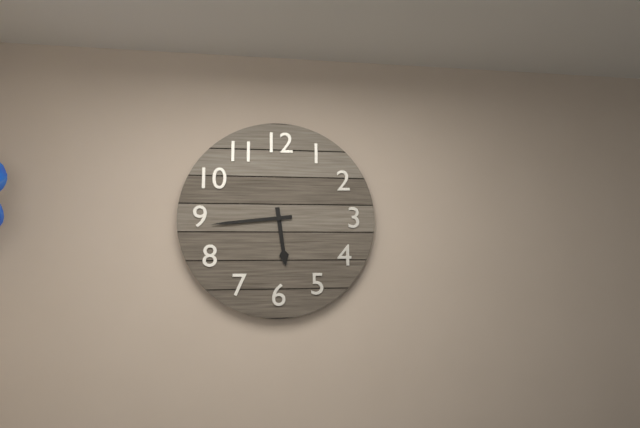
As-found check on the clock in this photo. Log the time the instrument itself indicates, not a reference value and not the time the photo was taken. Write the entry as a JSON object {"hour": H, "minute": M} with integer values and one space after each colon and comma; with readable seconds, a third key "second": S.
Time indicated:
{"hour": 5, "minute": 44}
